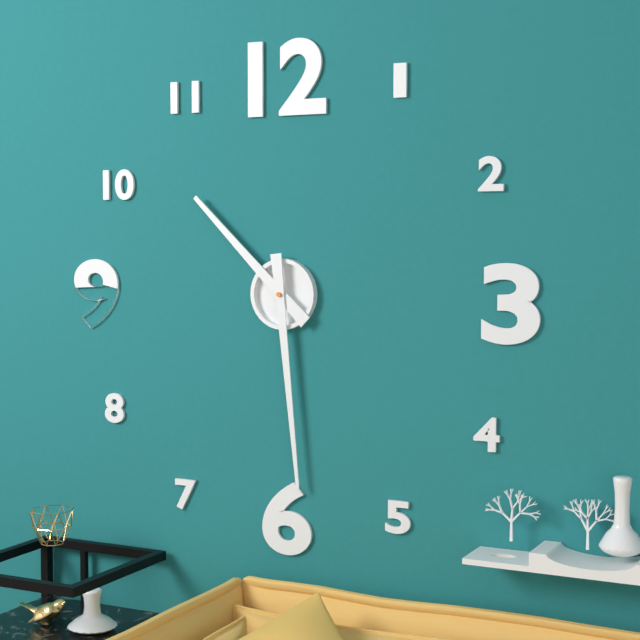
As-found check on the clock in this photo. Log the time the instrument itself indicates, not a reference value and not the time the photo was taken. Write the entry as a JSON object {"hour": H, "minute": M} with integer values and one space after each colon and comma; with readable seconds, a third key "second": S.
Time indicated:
{"hour": 10, "minute": 29}
